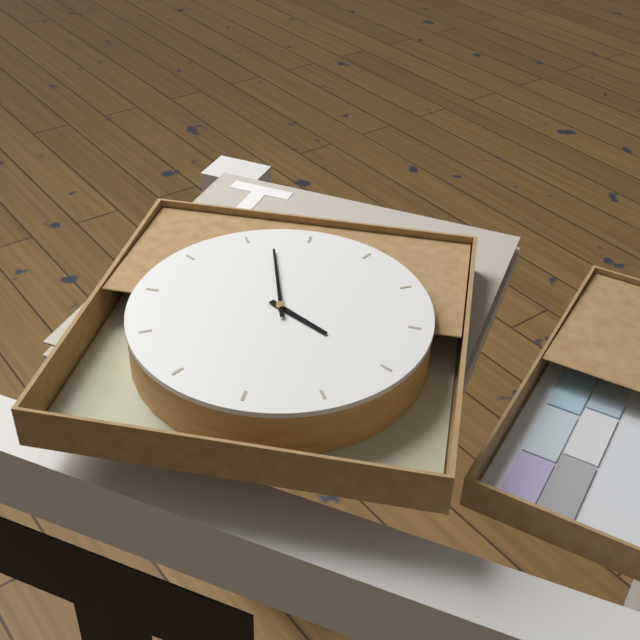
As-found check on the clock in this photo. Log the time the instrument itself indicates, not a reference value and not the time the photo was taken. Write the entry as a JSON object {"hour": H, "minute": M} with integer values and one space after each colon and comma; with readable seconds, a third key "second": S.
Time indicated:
{"hour": 5, "minute": 2}
